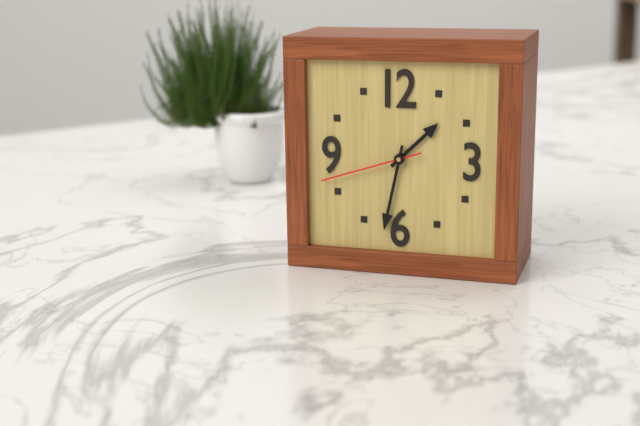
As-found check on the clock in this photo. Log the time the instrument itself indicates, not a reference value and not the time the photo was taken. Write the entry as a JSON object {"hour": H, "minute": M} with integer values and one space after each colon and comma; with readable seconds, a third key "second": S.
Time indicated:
{"hour": 1, "minute": 32, "second": 42}
